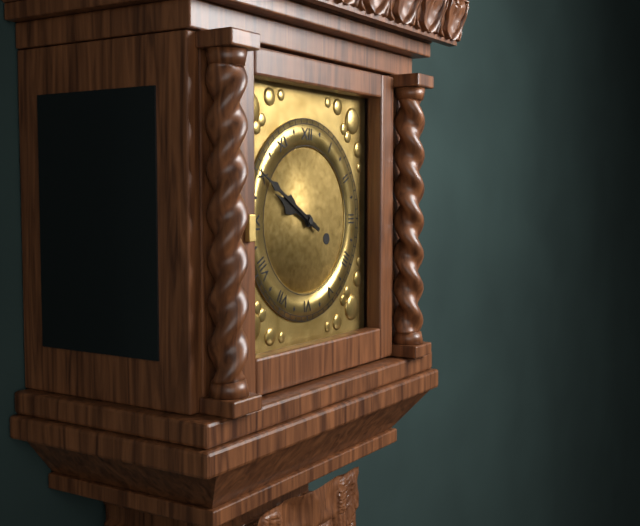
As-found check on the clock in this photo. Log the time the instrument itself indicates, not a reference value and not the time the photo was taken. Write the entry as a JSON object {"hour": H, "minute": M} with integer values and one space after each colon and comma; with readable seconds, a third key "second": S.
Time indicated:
{"hour": 9, "minute": 50}
